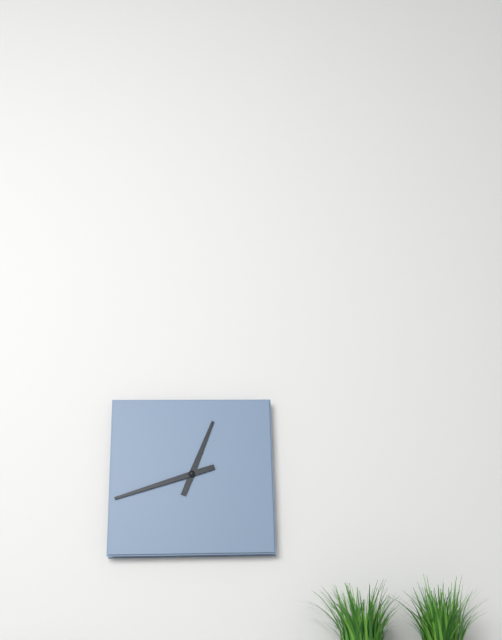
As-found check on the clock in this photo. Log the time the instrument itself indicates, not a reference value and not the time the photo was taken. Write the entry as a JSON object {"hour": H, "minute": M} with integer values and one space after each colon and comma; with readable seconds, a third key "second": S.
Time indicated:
{"hour": 12, "minute": 42}
